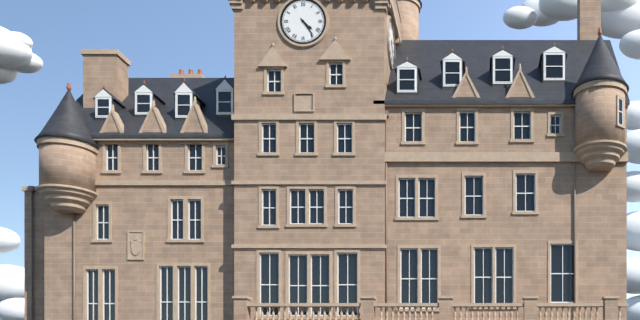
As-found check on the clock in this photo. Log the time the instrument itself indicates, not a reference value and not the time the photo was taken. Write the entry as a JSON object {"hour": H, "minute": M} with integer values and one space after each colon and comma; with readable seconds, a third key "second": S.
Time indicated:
{"hour": 4, "minute": 24}
